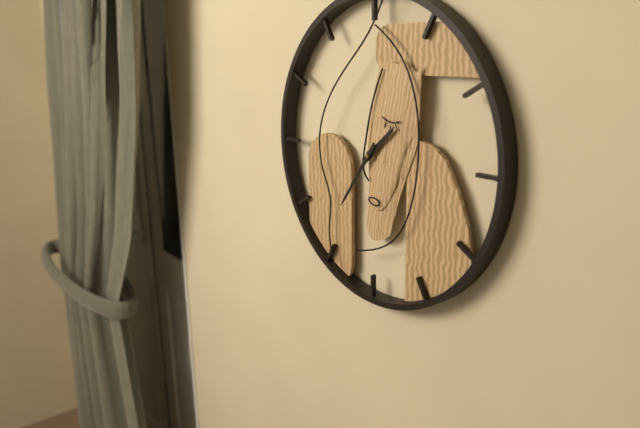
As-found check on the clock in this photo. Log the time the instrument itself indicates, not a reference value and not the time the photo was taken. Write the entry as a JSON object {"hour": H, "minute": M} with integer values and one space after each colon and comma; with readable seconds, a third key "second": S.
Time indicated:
{"hour": 1, "minute": 36}
